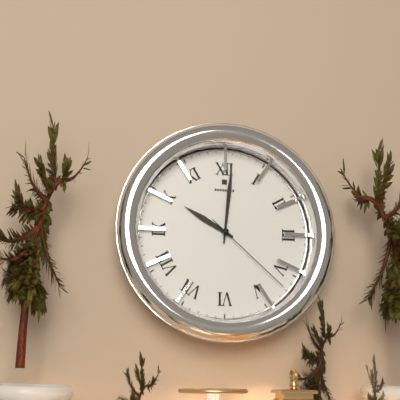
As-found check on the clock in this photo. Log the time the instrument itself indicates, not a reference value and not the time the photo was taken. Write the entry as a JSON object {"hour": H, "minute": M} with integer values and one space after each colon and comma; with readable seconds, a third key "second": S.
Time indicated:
{"hour": 10, "minute": 1, "second": 22}
